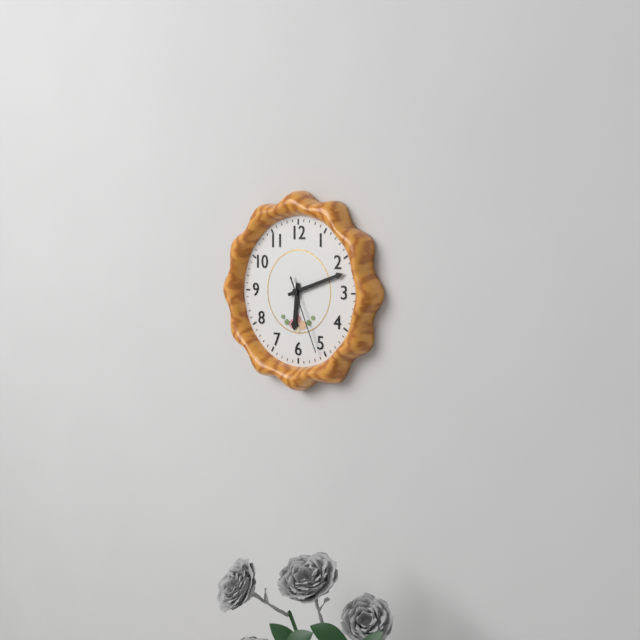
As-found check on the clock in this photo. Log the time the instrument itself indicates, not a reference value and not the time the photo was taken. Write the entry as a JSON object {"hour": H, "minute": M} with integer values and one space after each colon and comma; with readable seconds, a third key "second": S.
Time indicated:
{"hour": 6, "minute": 12, "second": 26}
